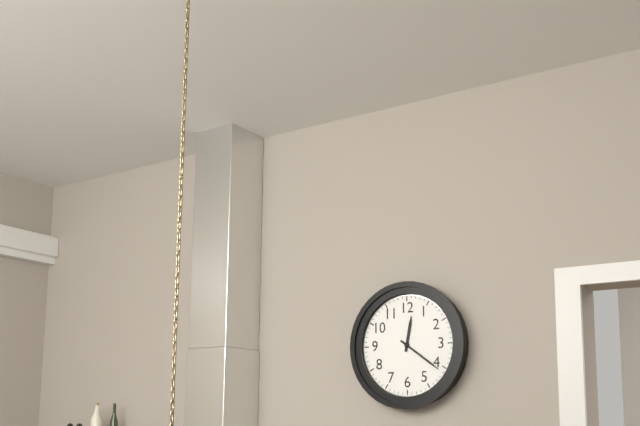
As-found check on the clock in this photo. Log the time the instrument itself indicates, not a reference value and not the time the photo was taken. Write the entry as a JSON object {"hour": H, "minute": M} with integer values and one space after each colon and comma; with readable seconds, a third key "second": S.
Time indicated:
{"hour": 12, "minute": 21}
